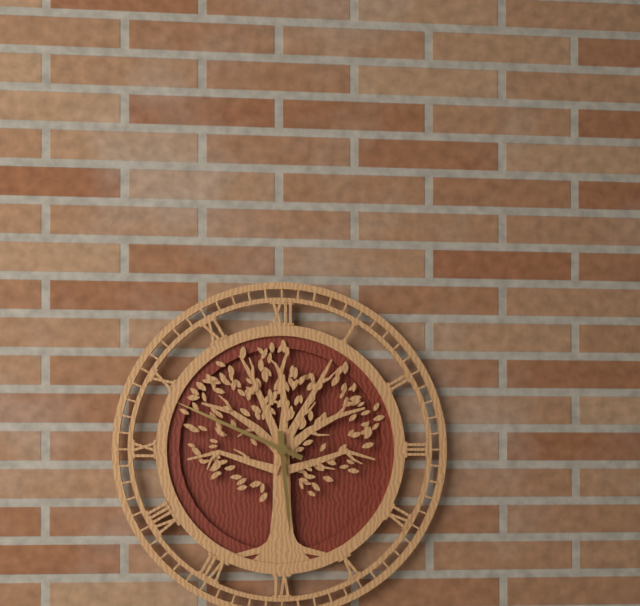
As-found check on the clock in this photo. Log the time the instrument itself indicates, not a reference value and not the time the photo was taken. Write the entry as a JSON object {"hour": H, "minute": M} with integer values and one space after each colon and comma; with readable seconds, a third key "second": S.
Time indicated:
{"hour": 5, "minute": 49}
